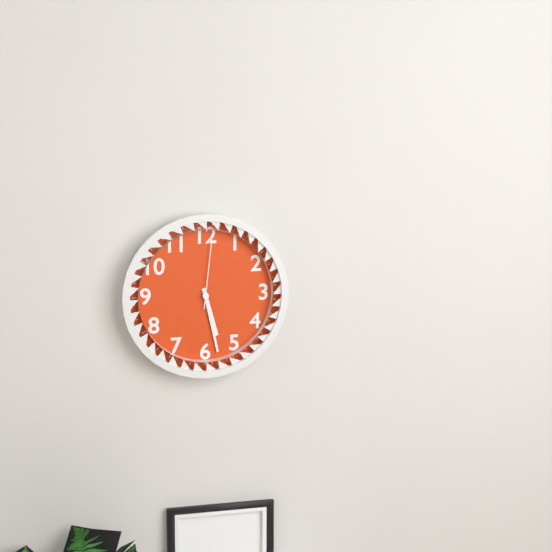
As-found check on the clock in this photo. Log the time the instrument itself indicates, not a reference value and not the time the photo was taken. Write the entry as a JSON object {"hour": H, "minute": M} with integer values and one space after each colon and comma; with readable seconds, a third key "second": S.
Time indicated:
{"hour": 5, "minute": 28, "second": 1}
